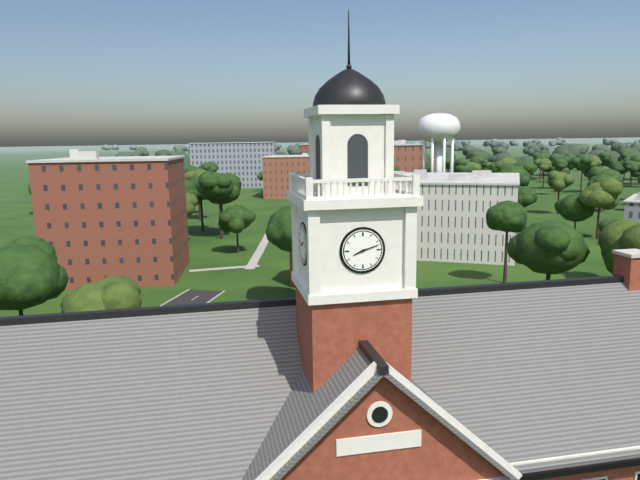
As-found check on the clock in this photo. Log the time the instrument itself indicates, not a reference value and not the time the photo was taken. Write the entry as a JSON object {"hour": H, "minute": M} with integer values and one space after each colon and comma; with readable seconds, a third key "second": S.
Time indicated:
{"hour": 8, "minute": 12}
